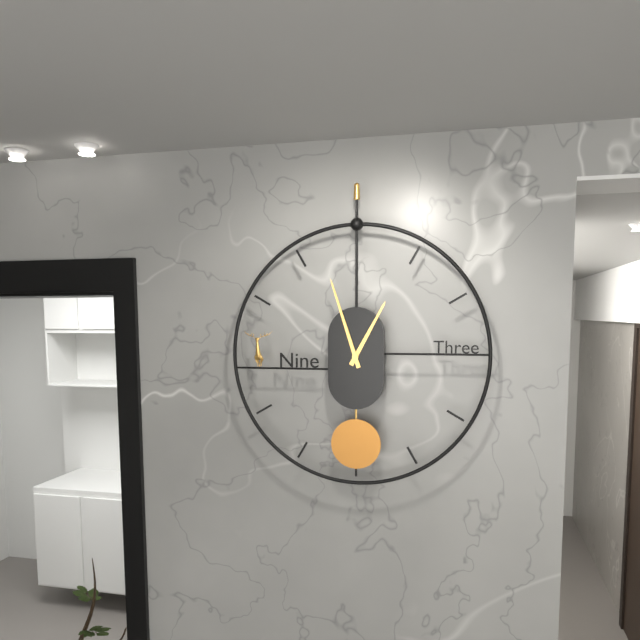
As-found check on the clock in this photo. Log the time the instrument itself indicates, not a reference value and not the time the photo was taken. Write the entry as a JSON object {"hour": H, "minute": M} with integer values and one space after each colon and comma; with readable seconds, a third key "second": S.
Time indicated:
{"hour": 12, "minute": 57}
